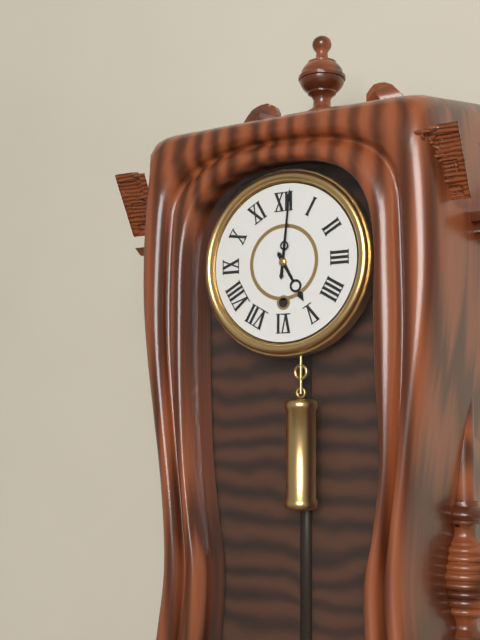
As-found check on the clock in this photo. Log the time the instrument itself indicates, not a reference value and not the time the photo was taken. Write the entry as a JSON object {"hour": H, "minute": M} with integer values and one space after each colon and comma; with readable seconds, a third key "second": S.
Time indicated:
{"hour": 5, "minute": 1}
